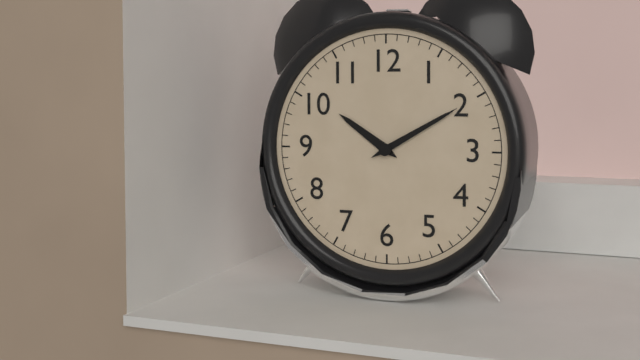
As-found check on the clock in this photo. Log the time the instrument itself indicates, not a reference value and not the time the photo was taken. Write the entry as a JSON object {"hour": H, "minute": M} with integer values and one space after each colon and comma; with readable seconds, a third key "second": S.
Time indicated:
{"hour": 10, "minute": 10}
